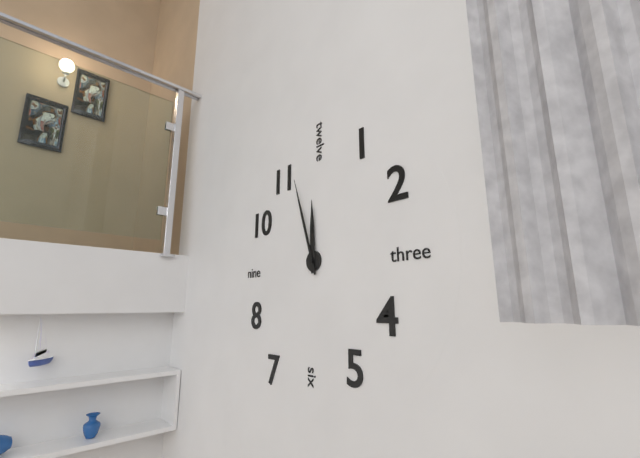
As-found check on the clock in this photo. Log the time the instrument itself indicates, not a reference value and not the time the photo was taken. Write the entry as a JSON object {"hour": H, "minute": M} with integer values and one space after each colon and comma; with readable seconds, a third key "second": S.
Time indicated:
{"hour": 11, "minute": 57}
